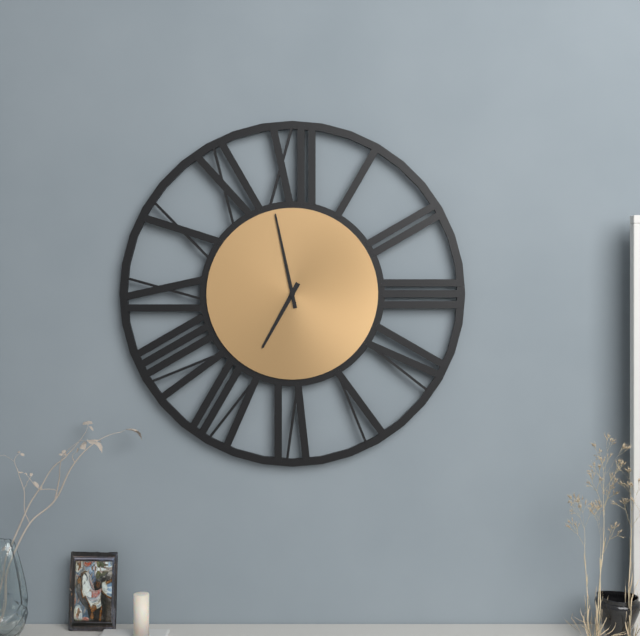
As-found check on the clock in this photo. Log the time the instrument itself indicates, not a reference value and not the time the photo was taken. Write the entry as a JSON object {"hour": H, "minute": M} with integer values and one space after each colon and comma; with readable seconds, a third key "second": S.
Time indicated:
{"hour": 6, "minute": 58}
